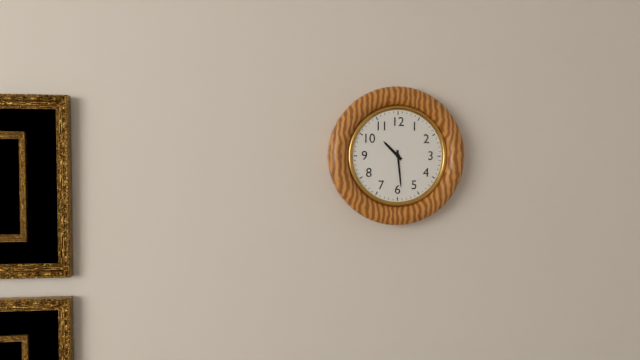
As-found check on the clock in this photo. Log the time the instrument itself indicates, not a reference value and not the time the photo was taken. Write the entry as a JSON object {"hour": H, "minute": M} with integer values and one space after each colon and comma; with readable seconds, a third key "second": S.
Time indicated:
{"hour": 10, "minute": 29}
